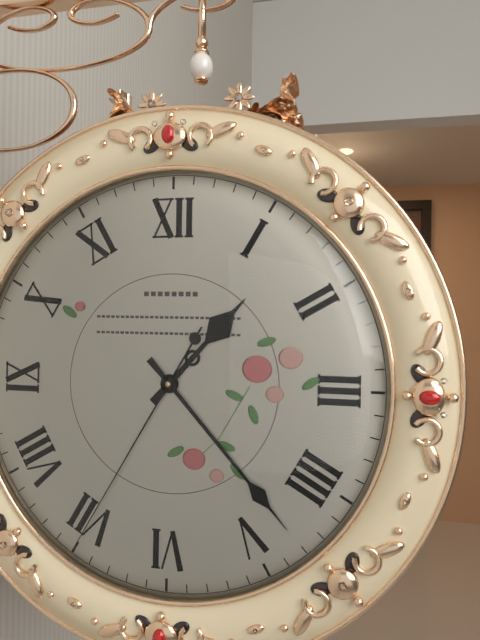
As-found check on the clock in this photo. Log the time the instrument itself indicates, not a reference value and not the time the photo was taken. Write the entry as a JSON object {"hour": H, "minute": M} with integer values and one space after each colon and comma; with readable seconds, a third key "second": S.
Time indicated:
{"hour": 1, "minute": 23, "second": 35}
